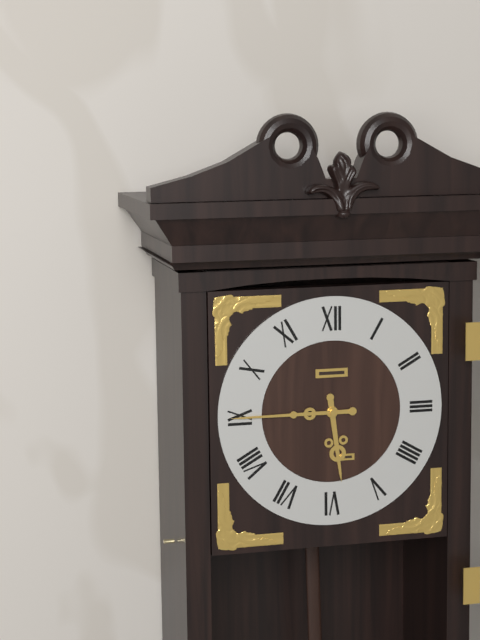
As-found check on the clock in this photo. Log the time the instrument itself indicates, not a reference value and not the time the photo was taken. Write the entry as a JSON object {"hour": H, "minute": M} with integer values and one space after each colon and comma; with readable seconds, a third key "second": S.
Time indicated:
{"hour": 5, "minute": 45}
